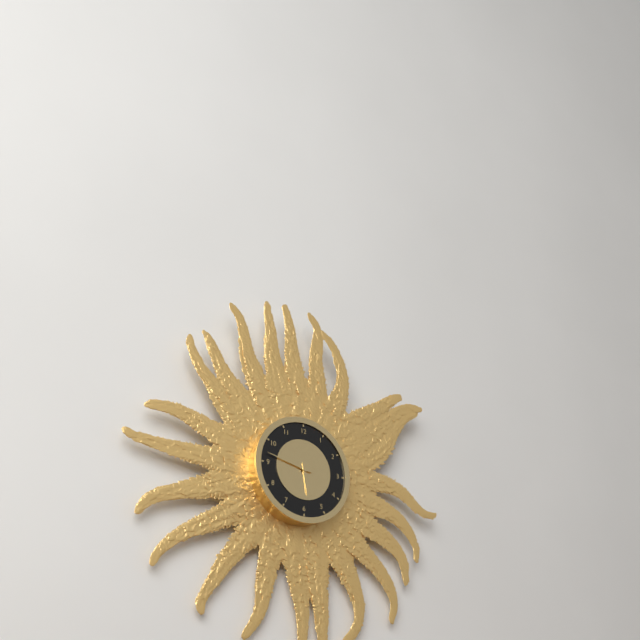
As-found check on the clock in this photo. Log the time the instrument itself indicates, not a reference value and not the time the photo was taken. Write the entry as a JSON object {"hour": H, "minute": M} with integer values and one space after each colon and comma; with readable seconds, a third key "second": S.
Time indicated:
{"hour": 5, "minute": 47}
